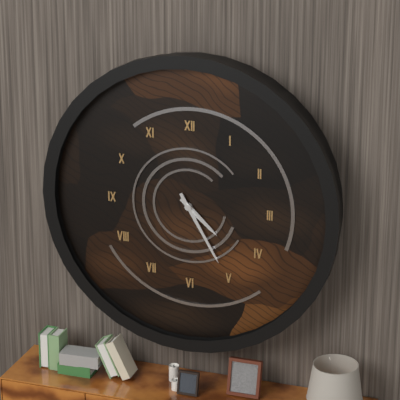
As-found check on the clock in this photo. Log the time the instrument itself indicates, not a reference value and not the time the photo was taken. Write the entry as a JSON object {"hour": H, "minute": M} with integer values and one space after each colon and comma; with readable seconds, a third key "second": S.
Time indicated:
{"hour": 4, "minute": 25}
